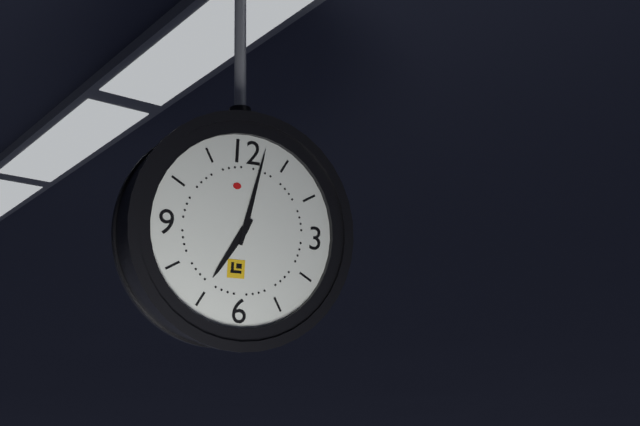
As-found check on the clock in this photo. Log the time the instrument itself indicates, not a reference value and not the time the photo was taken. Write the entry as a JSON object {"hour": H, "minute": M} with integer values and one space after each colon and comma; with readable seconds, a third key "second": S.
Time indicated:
{"hour": 7, "minute": 2}
